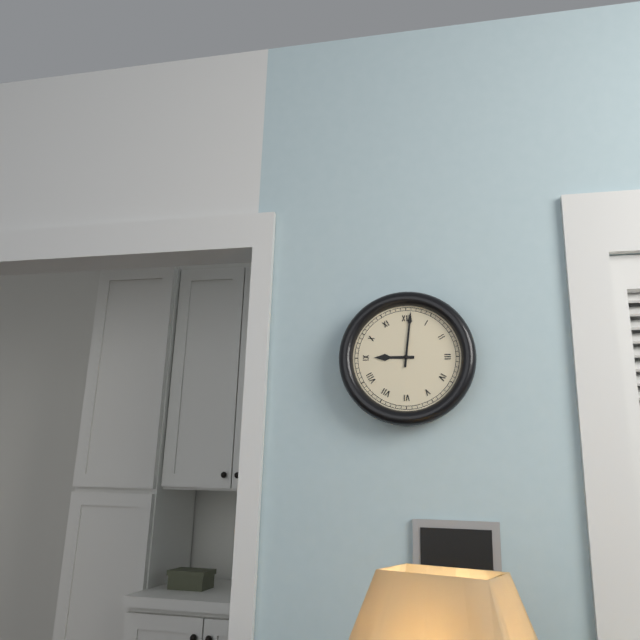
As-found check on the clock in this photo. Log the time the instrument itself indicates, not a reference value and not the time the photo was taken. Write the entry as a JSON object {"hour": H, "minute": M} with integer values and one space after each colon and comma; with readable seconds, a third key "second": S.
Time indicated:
{"hour": 9, "minute": 1}
